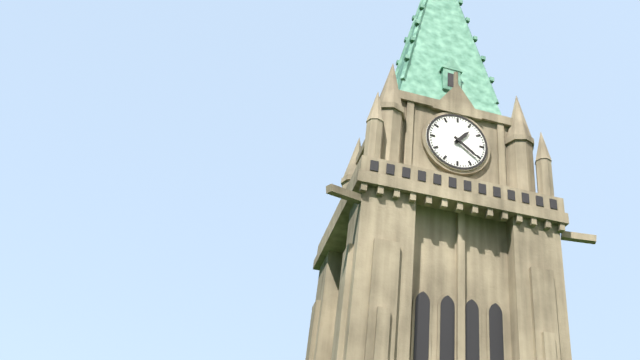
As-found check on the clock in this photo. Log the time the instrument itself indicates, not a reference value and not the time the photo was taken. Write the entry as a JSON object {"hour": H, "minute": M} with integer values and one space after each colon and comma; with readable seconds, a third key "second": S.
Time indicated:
{"hour": 1, "minute": 21}
